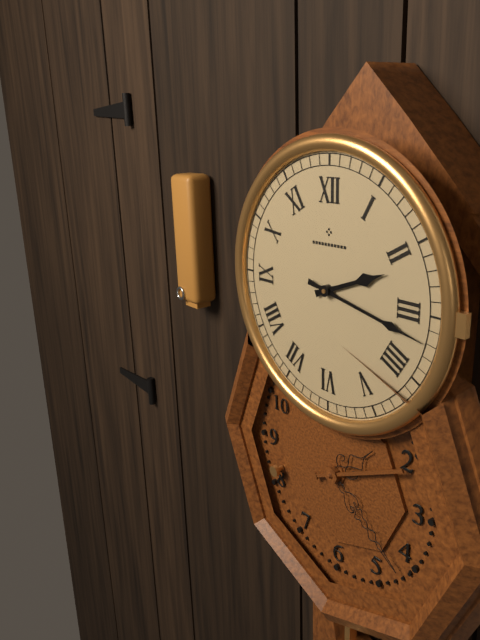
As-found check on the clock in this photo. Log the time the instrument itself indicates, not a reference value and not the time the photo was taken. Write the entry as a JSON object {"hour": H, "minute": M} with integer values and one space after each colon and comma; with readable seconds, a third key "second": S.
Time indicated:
{"hour": 2, "minute": 17}
